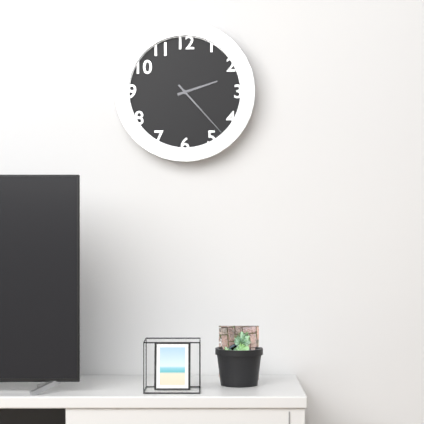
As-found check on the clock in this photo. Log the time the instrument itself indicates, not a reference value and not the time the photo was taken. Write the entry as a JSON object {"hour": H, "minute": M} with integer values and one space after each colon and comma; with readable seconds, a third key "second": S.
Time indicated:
{"hour": 2, "minute": 23}
